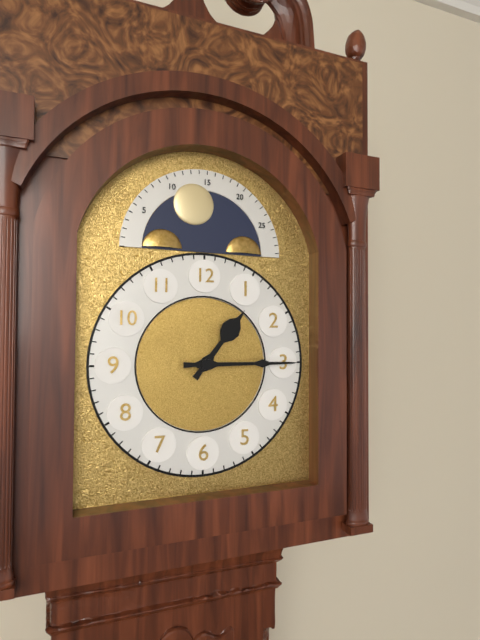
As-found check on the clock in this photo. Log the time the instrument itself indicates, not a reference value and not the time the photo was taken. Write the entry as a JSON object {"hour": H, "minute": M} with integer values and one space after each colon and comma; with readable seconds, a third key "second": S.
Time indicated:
{"hour": 1, "minute": 15}
